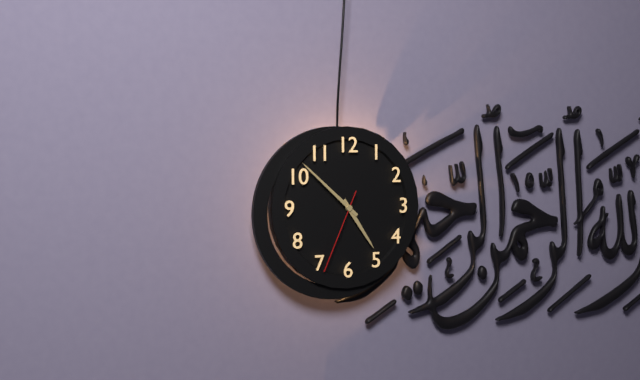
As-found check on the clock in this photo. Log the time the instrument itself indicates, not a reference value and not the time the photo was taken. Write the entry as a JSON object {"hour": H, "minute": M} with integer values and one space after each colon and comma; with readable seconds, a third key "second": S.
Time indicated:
{"hour": 4, "minute": 52, "second": 34}
